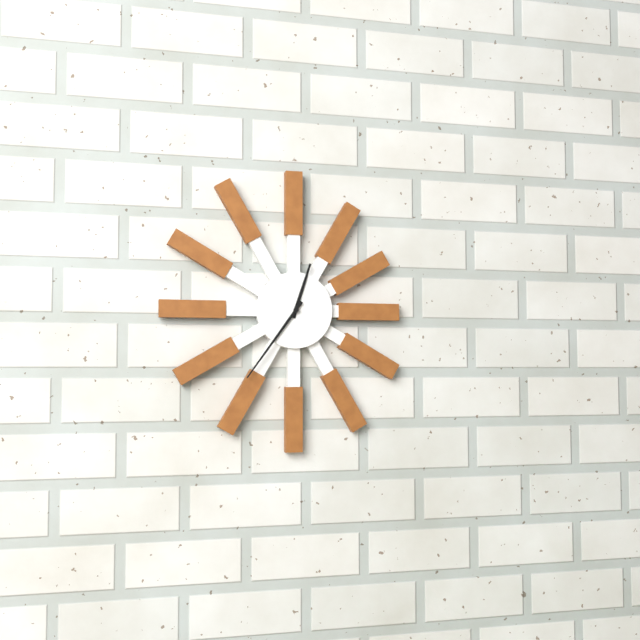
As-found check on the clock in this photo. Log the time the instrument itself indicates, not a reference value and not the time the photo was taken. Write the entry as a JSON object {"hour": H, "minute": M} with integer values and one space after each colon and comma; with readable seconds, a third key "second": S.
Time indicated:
{"hour": 12, "minute": 36}
